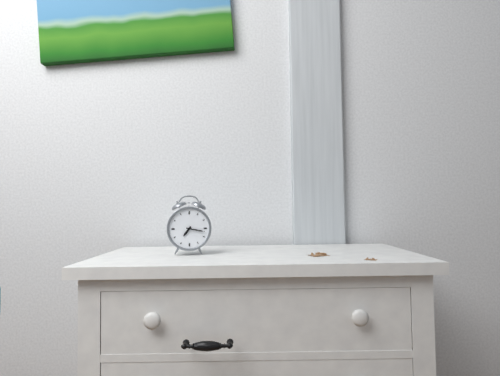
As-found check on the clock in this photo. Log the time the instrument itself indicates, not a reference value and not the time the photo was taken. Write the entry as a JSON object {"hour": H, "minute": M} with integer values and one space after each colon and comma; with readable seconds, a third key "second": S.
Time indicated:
{"hour": 7, "minute": 17}
